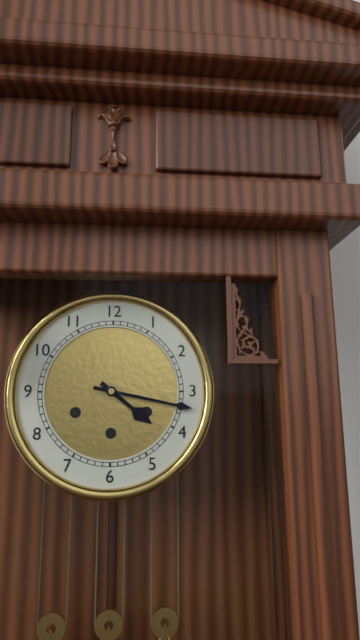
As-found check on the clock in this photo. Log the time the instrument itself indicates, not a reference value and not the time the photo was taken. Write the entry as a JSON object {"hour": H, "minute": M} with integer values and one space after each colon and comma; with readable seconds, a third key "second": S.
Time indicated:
{"hour": 4, "minute": 17}
